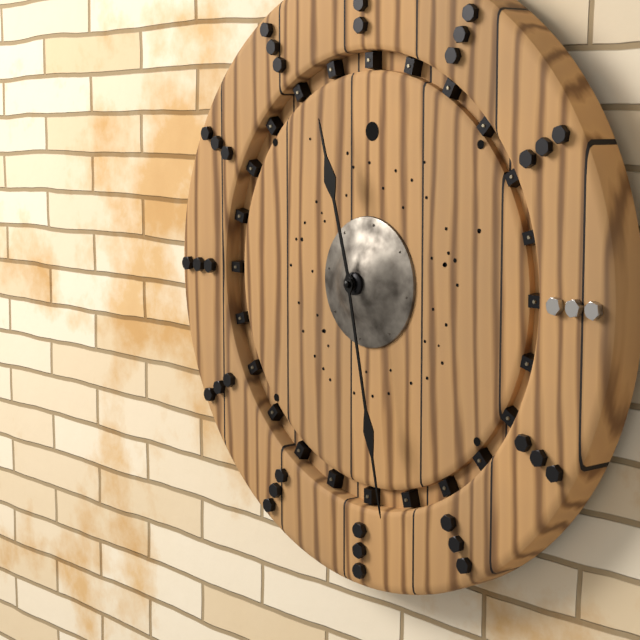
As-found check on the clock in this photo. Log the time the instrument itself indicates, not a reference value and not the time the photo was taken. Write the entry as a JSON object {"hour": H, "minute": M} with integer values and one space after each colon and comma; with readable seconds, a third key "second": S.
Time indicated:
{"hour": 11, "minute": 28}
